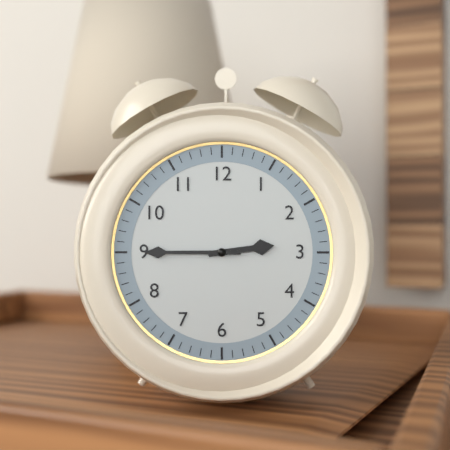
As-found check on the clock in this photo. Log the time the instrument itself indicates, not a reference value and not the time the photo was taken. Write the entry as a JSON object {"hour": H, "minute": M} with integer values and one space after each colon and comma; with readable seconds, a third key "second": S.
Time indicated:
{"hour": 2, "minute": 45}
